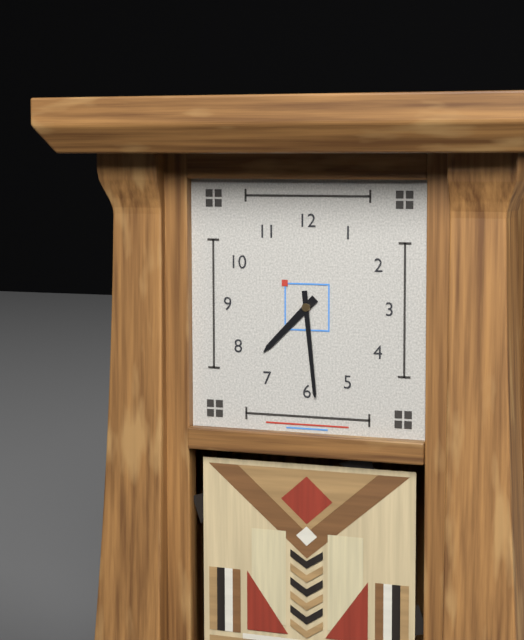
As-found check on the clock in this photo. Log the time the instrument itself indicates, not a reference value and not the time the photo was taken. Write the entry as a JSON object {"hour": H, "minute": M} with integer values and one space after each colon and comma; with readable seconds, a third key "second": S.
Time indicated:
{"hour": 7, "minute": 29}
